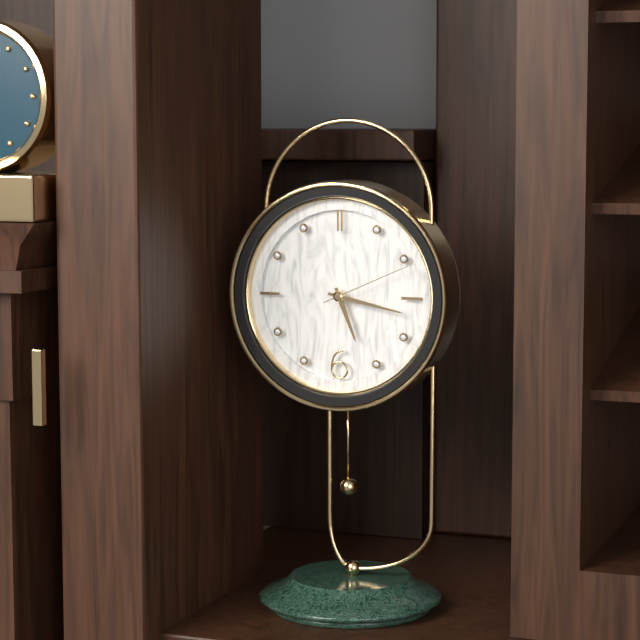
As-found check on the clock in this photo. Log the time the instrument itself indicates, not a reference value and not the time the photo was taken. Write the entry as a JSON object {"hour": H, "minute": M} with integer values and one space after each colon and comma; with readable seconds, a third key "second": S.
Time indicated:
{"hour": 5, "minute": 17, "second": 11}
